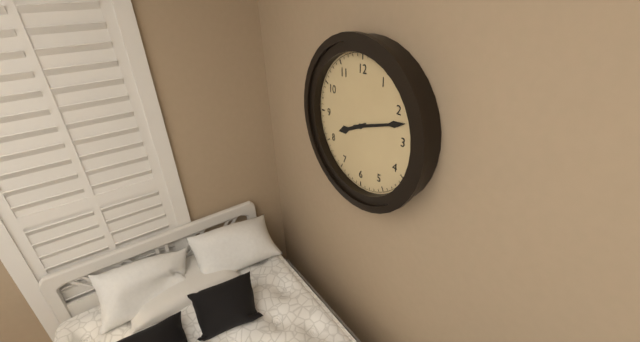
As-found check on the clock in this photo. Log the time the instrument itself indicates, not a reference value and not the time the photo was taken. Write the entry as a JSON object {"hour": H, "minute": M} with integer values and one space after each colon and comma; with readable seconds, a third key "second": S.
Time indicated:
{"hour": 8, "minute": 12}
